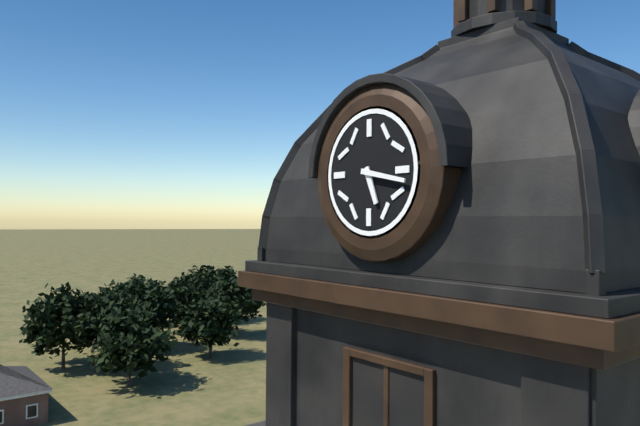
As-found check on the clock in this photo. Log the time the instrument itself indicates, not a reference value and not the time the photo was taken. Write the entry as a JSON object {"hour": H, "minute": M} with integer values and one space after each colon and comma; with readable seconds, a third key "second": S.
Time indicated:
{"hour": 5, "minute": 17}
